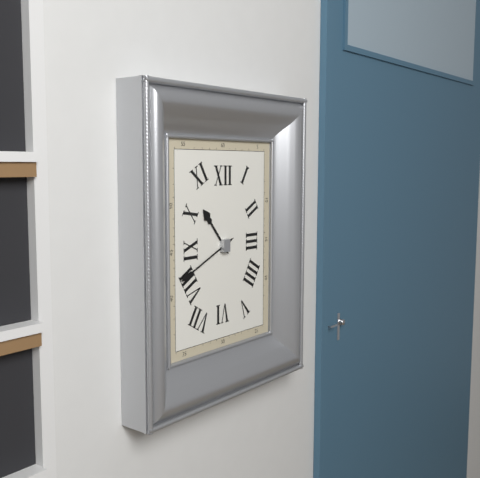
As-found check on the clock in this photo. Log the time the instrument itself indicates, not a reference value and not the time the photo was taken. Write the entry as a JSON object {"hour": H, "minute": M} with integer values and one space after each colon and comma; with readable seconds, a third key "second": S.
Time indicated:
{"hour": 10, "minute": 41}
